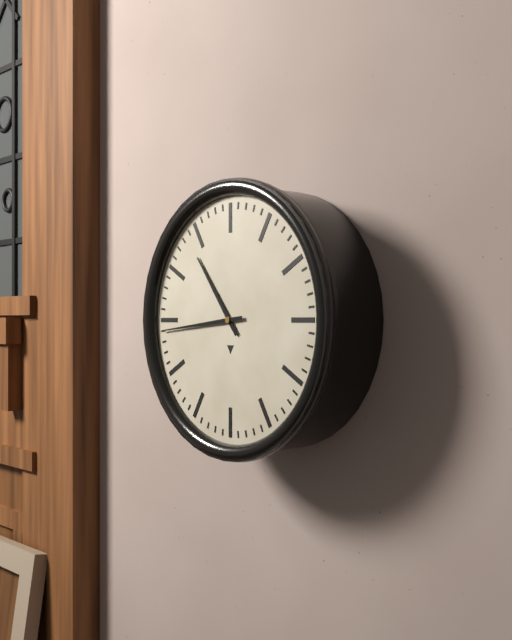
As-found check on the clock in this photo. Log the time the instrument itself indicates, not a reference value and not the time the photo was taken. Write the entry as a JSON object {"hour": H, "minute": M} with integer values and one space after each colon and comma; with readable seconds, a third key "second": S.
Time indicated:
{"hour": 10, "minute": 44}
